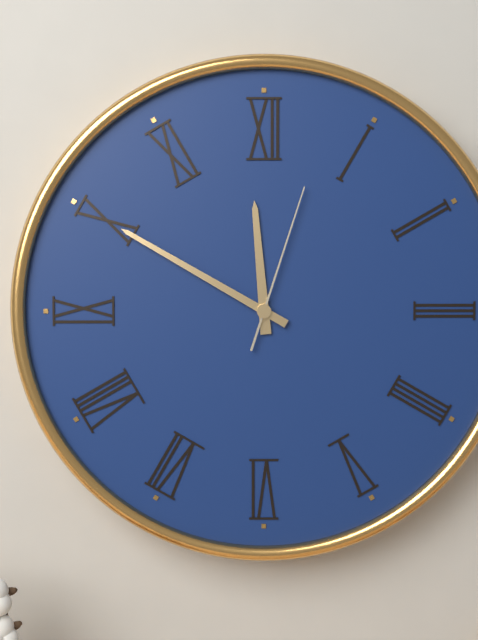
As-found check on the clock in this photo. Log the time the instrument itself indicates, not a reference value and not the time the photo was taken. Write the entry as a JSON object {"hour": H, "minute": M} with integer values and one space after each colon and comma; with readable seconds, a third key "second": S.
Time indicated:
{"hour": 11, "minute": 50, "second": 3}
